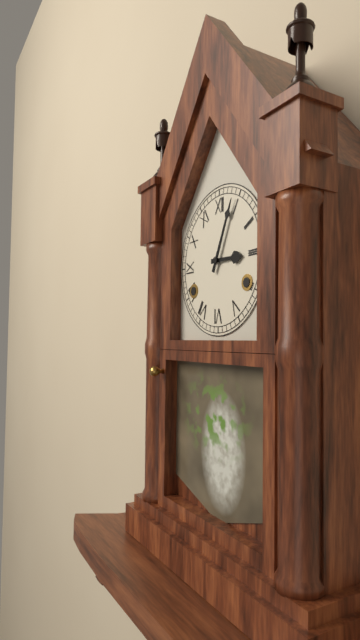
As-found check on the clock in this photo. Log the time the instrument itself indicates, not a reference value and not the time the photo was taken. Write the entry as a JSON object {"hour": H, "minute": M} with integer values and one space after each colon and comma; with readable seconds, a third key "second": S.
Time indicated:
{"hour": 3, "minute": 4}
